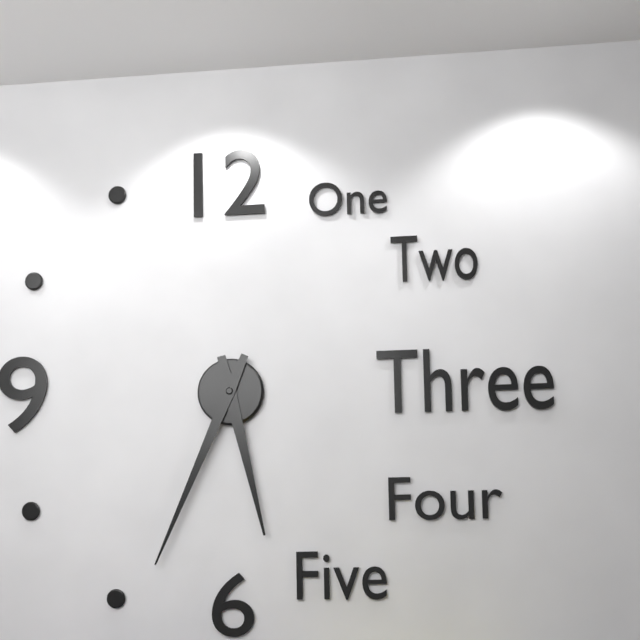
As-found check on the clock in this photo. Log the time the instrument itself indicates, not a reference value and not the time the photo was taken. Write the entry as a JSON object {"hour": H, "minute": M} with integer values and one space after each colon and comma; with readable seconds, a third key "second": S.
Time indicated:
{"hour": 5, "minute": 34}
